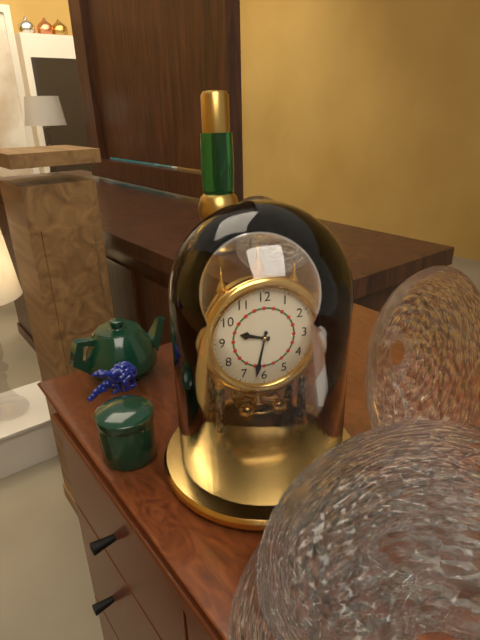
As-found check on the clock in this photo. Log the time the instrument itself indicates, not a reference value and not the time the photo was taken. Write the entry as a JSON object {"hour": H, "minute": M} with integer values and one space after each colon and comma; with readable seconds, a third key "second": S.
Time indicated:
{"hour": 9, "minute": 32}
